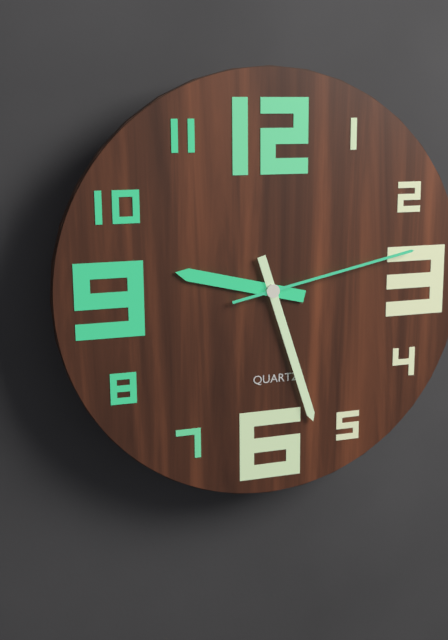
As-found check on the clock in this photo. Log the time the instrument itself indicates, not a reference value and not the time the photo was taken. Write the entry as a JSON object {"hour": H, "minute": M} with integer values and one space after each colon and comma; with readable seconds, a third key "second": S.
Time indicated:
{"hour": 9, "minute": 27, "second": 13}
